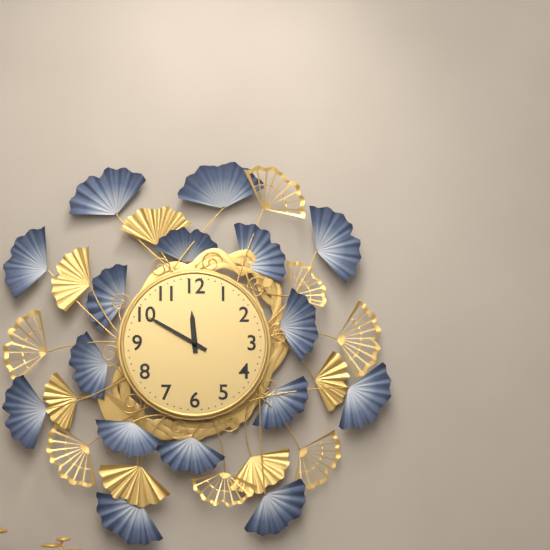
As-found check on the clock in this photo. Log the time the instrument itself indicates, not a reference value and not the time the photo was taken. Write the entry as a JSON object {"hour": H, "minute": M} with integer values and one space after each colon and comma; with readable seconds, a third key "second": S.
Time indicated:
{"hour": 11, "minute": 50}
